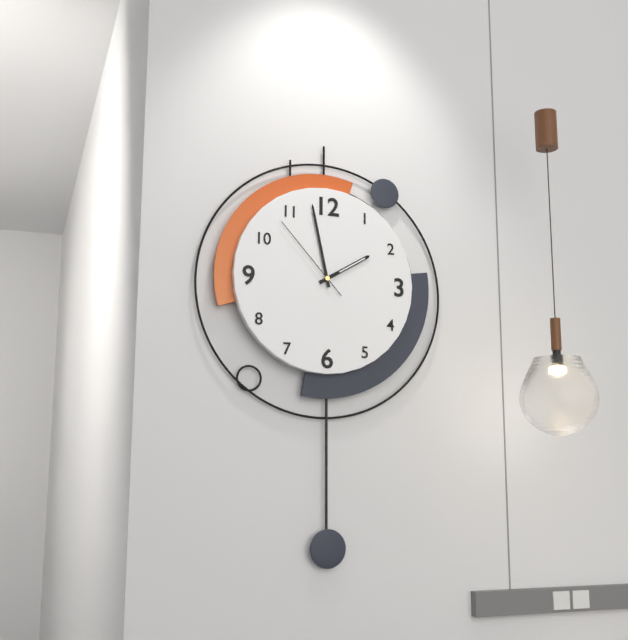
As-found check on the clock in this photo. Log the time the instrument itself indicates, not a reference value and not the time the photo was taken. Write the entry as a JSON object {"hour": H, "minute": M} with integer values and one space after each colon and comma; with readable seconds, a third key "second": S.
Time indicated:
{"hour": 1, "minute": 58, "second": 53}
